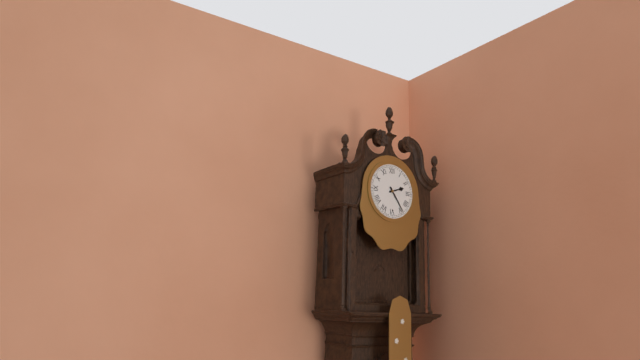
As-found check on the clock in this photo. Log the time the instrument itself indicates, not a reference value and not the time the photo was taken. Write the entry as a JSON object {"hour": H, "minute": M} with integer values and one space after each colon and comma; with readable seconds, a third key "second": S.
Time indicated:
{"hour": 2, "minute": 24}
